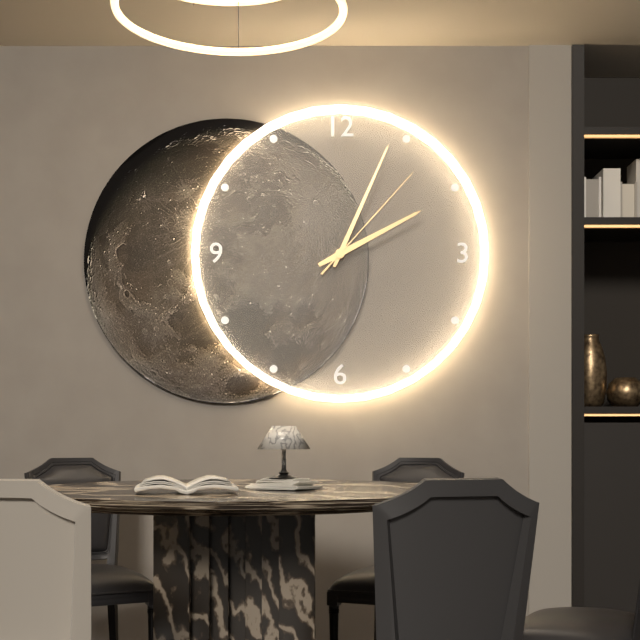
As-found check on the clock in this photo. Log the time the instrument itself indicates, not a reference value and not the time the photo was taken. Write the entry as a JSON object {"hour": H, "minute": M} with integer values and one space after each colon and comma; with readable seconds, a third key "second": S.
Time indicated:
{"hour": 2, "minute": 4, "second": 7}
